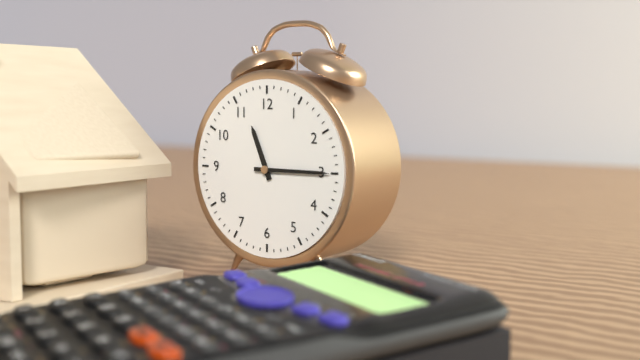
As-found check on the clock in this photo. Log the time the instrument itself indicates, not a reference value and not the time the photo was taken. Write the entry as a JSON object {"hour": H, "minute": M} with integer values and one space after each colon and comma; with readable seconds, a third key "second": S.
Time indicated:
{"hour": 11, "minute": 15}
